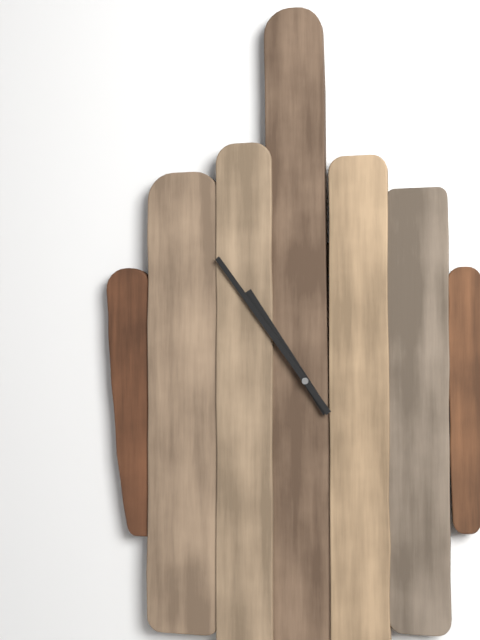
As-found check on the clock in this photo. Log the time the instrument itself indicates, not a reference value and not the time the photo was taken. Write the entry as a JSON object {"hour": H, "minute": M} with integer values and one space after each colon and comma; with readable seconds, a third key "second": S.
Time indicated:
{"hour": 10, "minute": 54}
